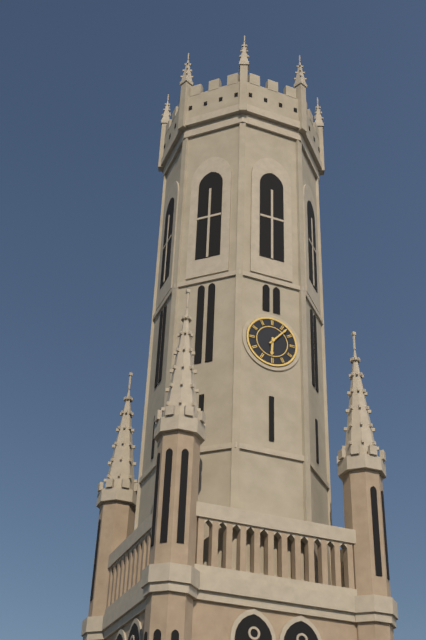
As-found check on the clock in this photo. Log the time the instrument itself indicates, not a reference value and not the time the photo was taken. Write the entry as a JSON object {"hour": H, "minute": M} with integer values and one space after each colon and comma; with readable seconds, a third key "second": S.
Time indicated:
{"hour": 6, "minute": 7}
